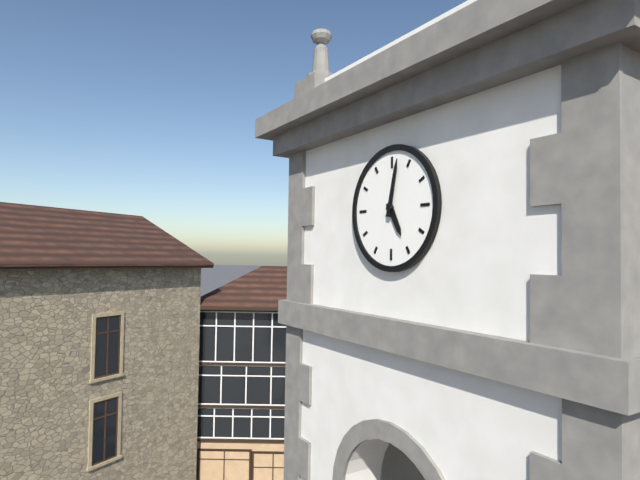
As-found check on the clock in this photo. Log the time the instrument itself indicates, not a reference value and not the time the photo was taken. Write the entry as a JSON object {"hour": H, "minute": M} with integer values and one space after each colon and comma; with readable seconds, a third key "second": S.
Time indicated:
{"hour": 5, "minute": 2}
